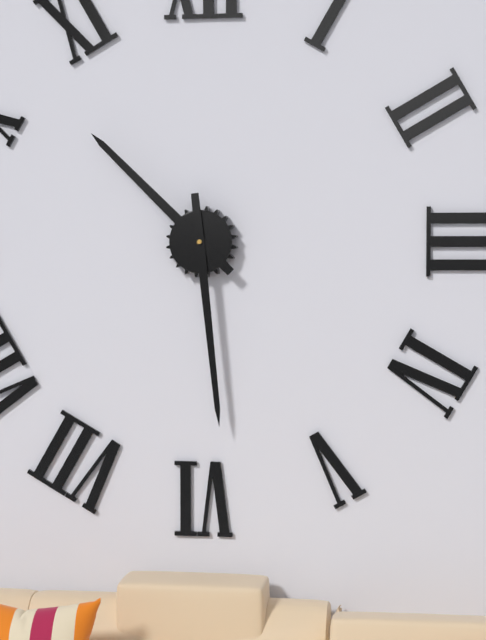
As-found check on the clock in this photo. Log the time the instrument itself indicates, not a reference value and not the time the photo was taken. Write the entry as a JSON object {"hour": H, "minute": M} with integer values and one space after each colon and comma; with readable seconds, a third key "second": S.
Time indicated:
{"hour": 10, "minute": 29}
